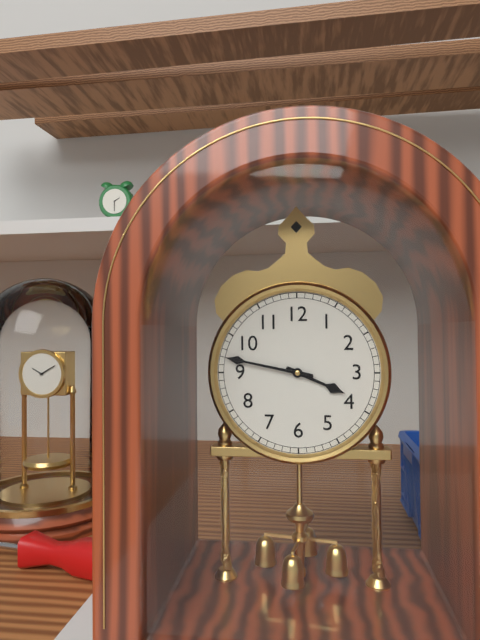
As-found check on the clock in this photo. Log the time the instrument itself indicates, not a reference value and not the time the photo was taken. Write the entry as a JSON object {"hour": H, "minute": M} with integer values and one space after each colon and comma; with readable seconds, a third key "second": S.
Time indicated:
{"hour": 3, "minute": 47}
